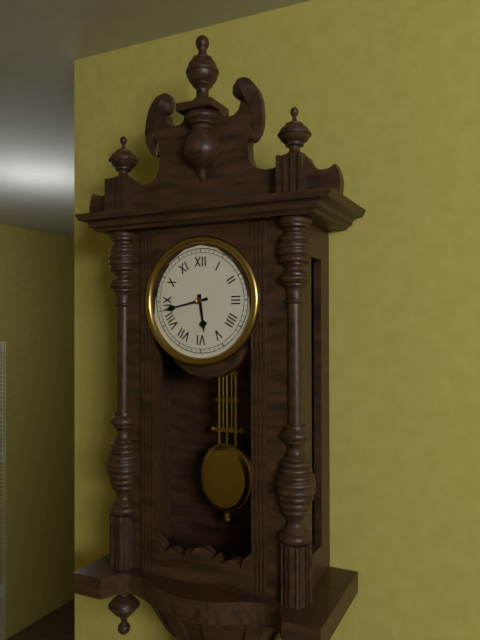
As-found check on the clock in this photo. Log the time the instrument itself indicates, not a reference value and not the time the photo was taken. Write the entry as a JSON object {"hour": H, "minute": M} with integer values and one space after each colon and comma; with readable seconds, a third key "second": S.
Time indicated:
{"hour": 5, "minute": 43}
